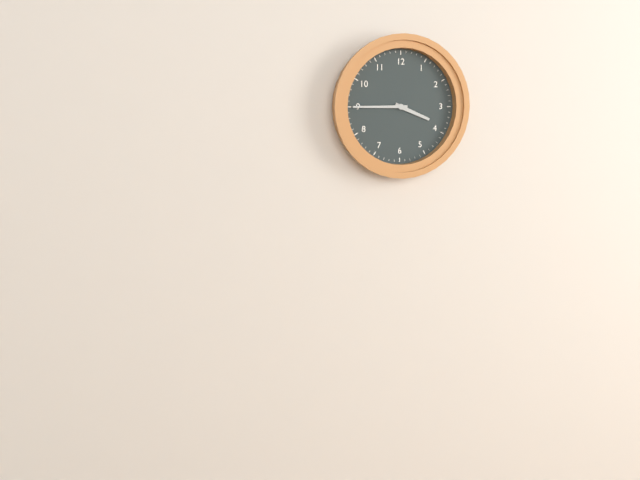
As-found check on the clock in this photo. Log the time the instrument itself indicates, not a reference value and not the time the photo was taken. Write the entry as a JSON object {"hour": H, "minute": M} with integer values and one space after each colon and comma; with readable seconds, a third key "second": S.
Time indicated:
{"hour": 3, "minute": 45}
